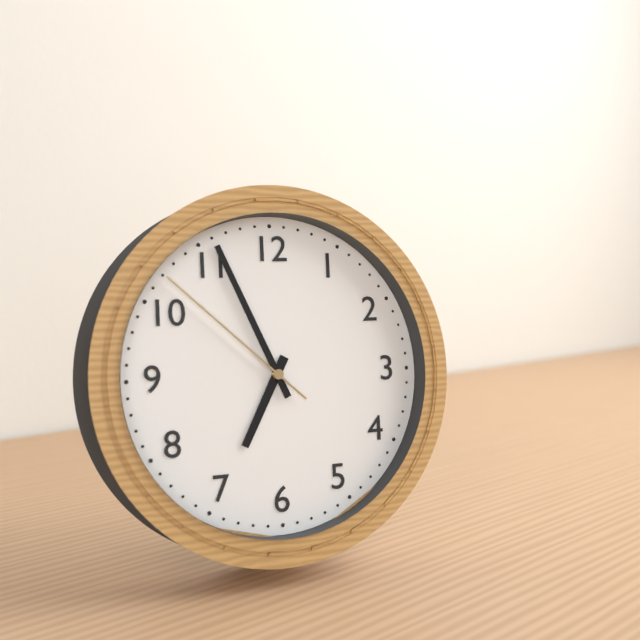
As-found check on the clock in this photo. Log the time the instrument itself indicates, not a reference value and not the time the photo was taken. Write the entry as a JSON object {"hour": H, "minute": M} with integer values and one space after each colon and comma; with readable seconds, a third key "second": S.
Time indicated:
{"hour": 6, "minute": 56, "second": 52}
